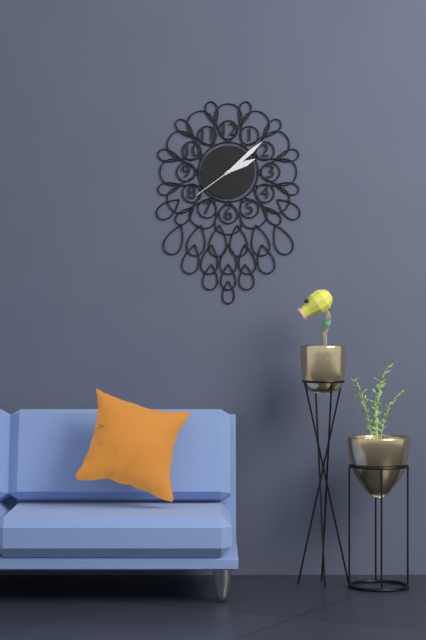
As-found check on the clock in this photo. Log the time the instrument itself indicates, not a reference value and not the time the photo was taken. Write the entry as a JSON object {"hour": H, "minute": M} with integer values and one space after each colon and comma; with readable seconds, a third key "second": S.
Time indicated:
{"hour": 2, "minute": 8, "second": 39}
